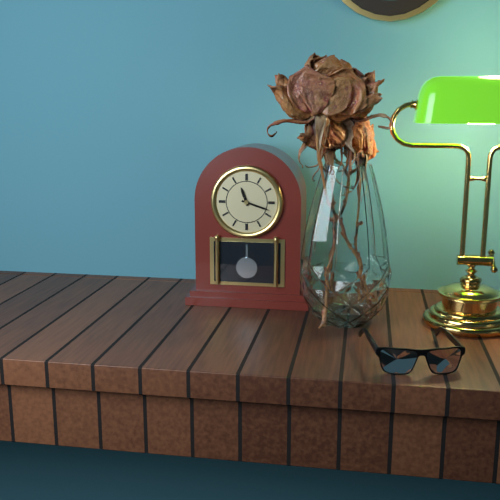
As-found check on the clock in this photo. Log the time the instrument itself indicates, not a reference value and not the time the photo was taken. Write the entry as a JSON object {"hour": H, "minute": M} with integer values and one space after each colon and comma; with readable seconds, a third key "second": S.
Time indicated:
{"hour": 11, "minute": 18}
